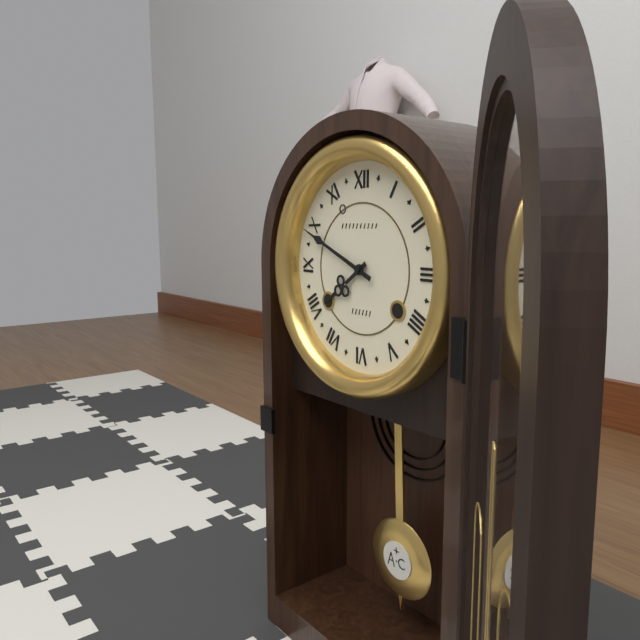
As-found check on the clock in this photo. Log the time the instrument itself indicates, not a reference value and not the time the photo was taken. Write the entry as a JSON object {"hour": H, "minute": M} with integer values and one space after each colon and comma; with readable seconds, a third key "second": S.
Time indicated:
{"hour": 7, "minute": 49}
